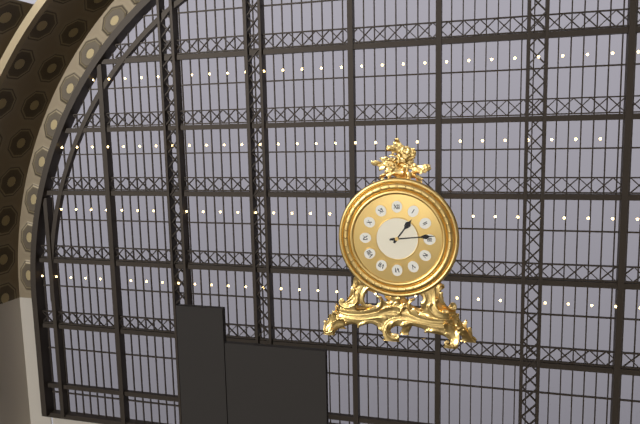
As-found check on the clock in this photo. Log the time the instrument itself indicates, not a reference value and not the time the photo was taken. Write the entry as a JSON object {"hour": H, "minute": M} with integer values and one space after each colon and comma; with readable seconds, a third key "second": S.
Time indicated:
{"hour": 1, "minute": 14}
